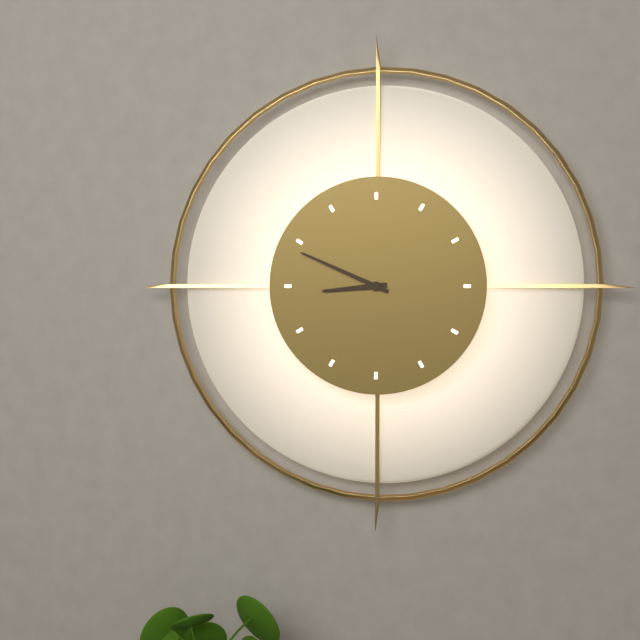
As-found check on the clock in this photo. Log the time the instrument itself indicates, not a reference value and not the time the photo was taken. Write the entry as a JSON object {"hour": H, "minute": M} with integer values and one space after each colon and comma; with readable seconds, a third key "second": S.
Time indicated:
{"hour": 8, "minute": 49}
